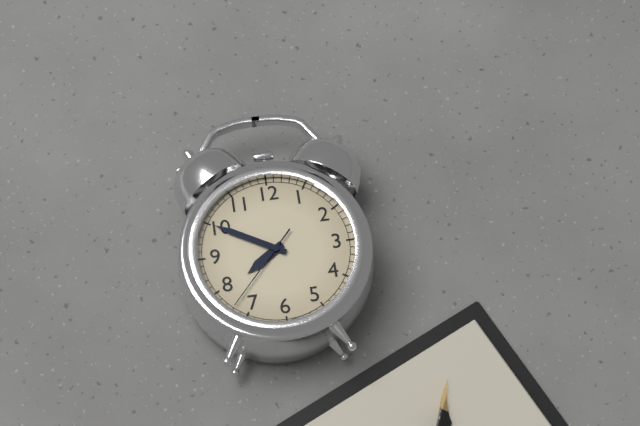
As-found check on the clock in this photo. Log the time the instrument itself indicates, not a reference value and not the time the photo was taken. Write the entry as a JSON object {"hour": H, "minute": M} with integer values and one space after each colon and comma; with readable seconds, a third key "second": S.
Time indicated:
{"hour": 7, "minute": 50, "second": 37}
